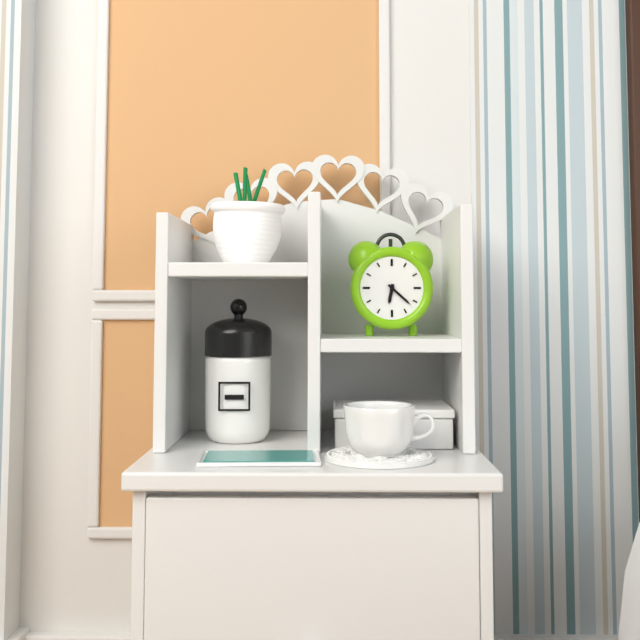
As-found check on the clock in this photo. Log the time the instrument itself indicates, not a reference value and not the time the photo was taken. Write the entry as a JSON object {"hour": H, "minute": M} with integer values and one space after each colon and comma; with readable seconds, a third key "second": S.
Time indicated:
{"hour": 6, "minute": 22}
